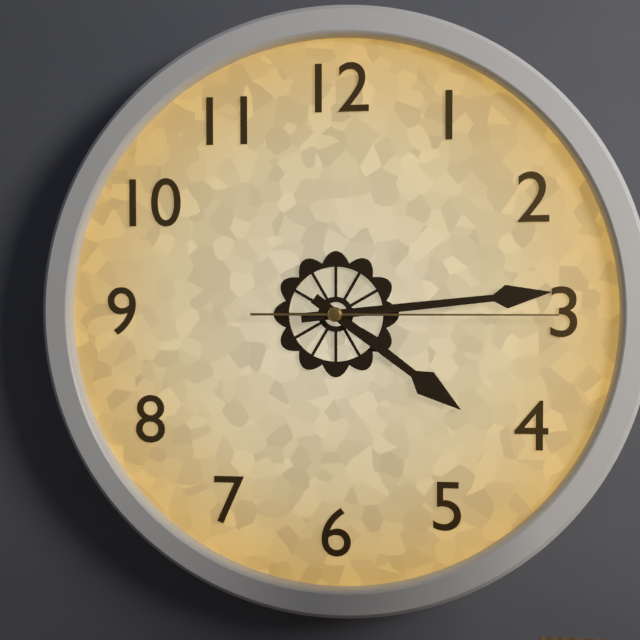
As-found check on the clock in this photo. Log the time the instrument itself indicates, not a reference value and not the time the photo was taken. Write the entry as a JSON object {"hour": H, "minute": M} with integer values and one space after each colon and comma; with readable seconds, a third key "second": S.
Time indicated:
{"hour": 4, "minute": 14, "second": 15}
